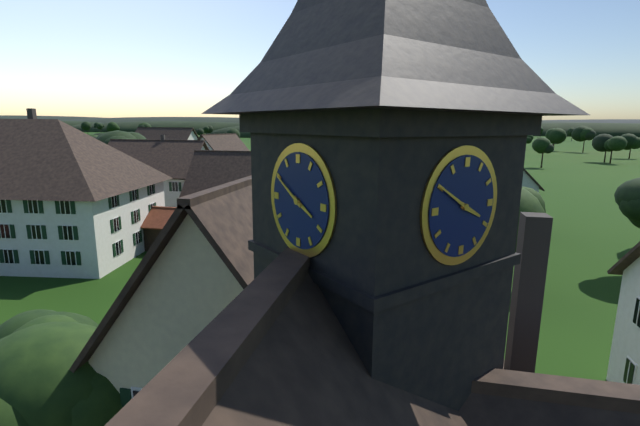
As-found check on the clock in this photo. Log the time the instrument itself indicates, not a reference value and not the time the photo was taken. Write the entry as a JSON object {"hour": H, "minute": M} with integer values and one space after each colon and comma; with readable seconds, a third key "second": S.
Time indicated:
{"hour": 3, "minute": 50}
